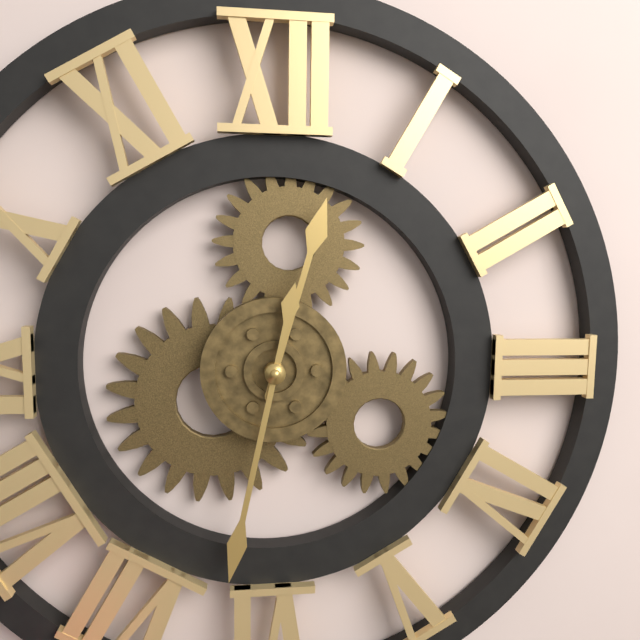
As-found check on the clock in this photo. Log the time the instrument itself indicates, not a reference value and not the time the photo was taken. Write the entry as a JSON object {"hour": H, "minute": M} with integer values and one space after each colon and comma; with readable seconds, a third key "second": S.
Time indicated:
{"hour": 12, "minute": 32}
